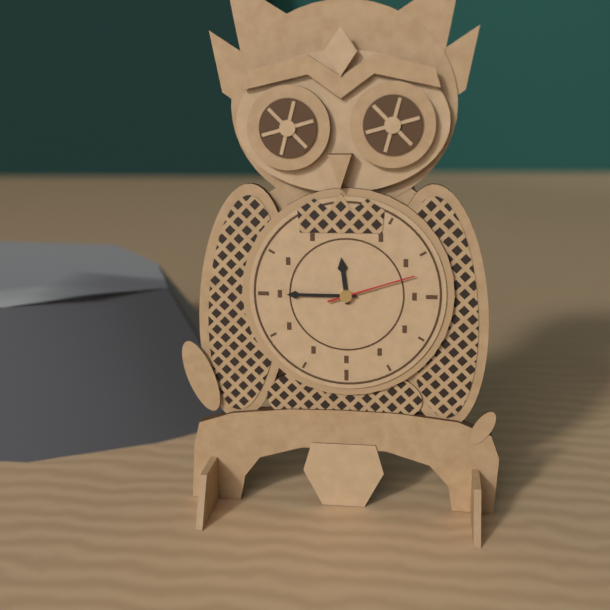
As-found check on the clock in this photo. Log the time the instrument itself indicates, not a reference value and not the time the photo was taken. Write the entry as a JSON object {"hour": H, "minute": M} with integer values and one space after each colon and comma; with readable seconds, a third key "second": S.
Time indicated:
{"hour": 11, "minute": 45, "second": 12}
